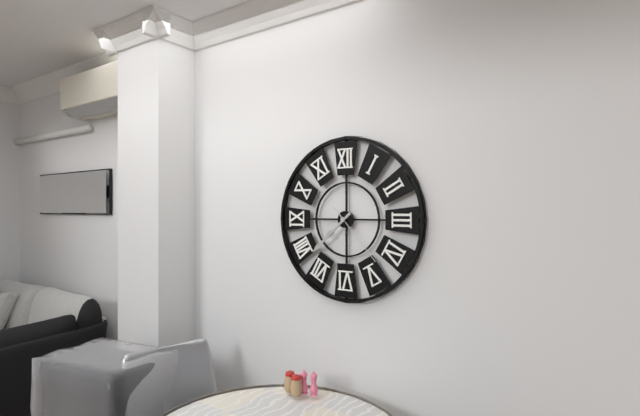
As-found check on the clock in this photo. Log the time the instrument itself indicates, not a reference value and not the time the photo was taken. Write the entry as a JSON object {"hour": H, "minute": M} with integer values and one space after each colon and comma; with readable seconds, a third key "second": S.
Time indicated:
{"hour": 7, "minute": 38, "second": 23}
